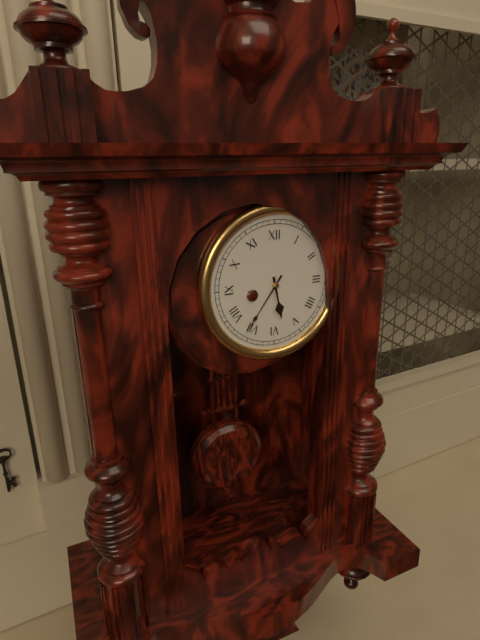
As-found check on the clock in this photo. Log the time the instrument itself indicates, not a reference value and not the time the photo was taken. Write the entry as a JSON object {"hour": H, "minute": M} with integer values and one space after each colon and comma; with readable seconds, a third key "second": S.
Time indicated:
{"hour": 5, "minute": 36}
